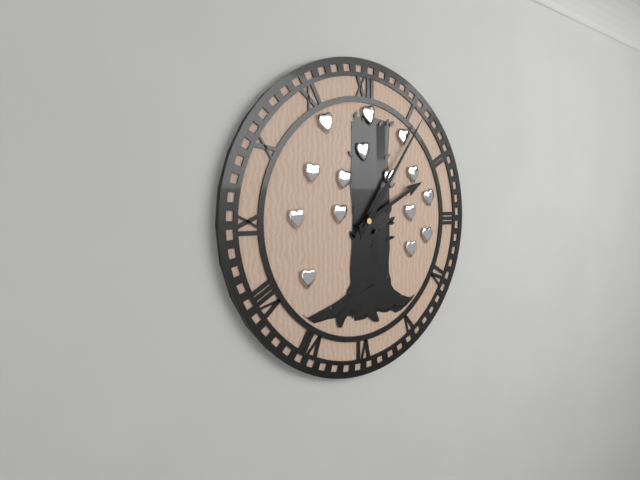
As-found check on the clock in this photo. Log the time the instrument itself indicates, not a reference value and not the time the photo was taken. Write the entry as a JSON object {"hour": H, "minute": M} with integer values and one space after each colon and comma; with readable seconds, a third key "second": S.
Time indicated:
{"hour": 2, "minute": 6}
